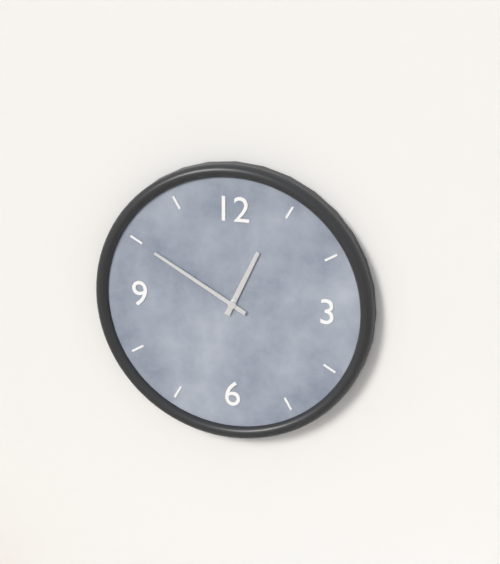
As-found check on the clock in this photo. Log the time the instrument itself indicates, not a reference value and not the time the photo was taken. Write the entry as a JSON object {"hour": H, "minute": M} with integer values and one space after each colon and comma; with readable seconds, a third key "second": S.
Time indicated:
{"hour": 12, "minute": 50}
